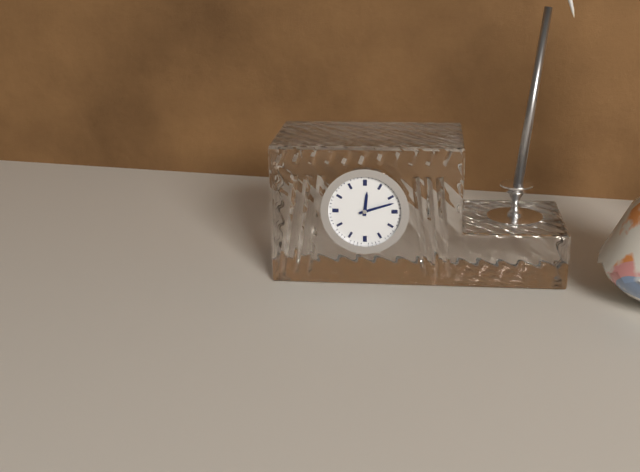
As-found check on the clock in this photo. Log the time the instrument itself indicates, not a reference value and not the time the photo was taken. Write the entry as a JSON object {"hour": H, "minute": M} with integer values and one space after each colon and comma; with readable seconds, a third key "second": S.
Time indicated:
{"hour": 12, "minute": 12}
